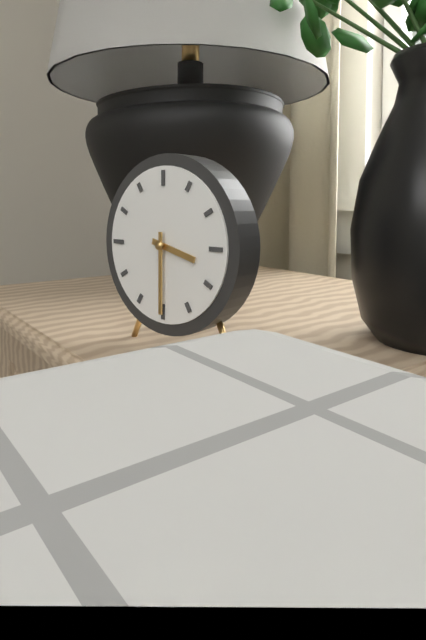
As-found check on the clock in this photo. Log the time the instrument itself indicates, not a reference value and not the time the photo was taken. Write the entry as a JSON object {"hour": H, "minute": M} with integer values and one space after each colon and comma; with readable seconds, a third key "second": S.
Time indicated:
{"hour": 3, "minute": 30}
